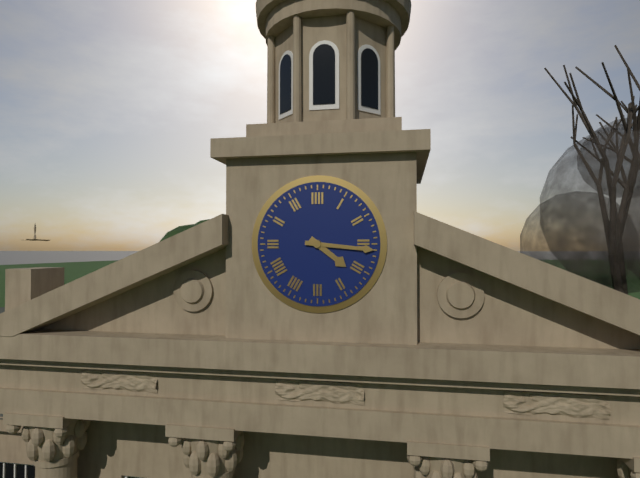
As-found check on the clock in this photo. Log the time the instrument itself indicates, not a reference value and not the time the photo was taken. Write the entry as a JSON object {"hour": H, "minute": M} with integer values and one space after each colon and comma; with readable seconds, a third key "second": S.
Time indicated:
{"hour": 4, "minute": 16}
